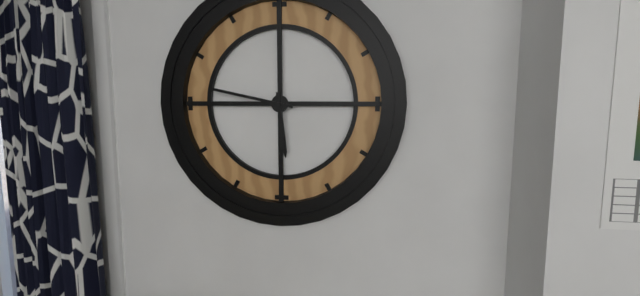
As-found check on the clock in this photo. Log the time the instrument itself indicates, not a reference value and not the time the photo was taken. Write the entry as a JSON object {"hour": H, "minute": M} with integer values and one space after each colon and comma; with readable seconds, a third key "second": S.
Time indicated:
{"hour": 5, "minute": 47}
